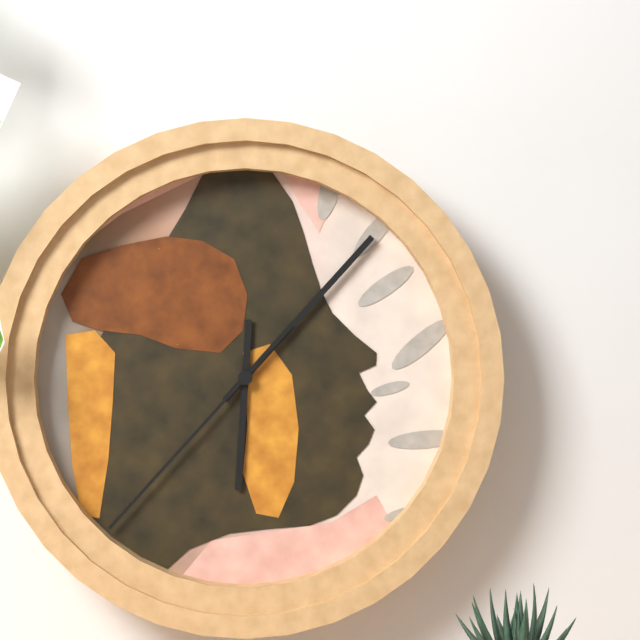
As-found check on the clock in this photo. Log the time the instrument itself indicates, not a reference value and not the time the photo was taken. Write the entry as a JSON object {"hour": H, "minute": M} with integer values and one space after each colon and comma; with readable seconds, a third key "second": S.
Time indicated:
{"hour": 6, "minute": 7, "second": 37}
